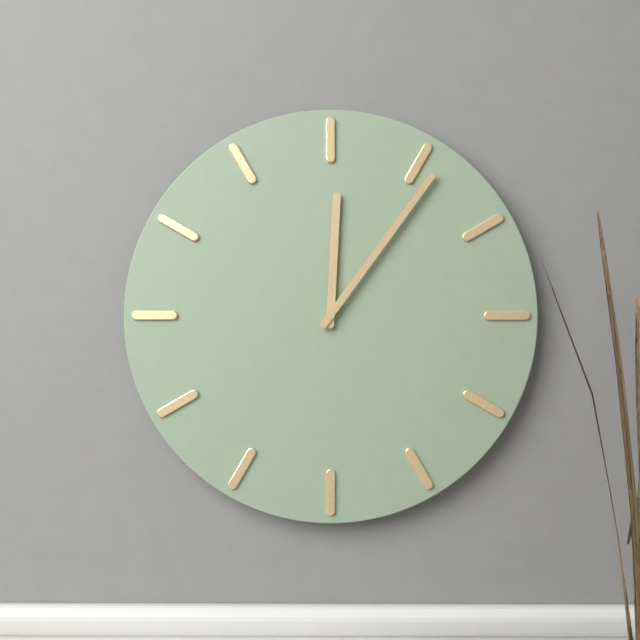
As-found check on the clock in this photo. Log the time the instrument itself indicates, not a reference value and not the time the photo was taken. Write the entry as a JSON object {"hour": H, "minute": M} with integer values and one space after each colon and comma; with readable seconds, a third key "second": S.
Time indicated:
{"hour": 12, "minute": 6}
